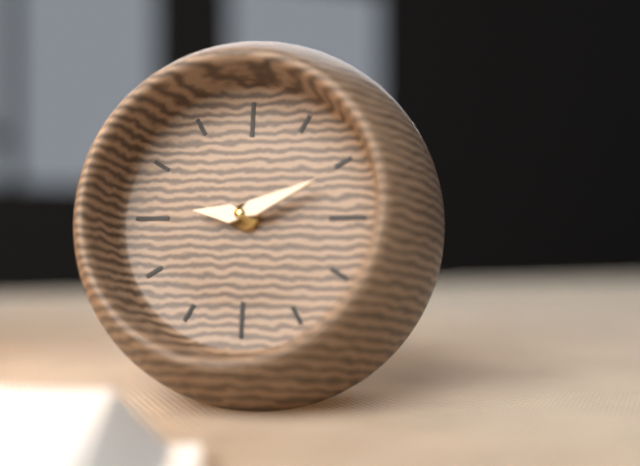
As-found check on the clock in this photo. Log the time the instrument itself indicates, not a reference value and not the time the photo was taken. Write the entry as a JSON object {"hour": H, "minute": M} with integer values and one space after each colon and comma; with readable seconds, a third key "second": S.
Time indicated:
{"hour": 9, "minute": 11}
